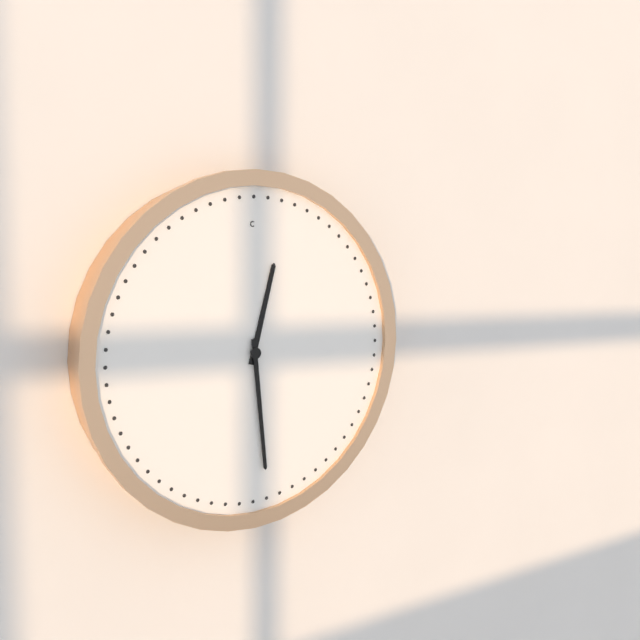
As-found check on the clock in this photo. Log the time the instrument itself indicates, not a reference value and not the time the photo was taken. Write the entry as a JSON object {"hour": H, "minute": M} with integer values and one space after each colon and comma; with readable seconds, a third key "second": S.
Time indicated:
{"hour": 12, "minute": 29}
